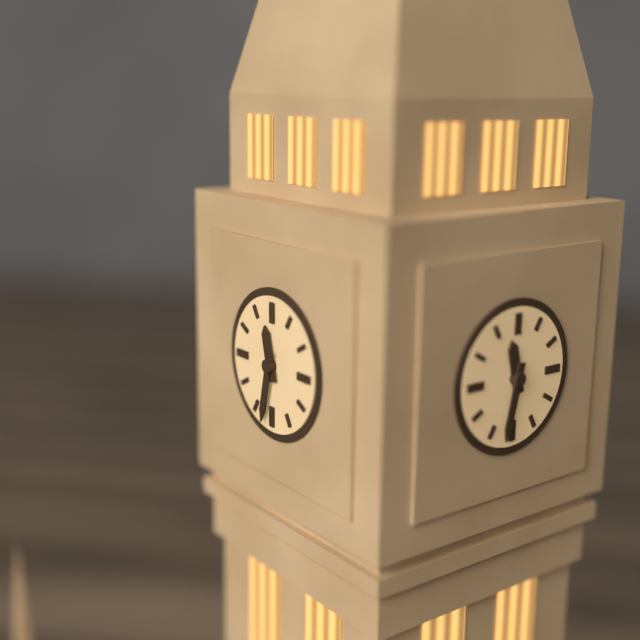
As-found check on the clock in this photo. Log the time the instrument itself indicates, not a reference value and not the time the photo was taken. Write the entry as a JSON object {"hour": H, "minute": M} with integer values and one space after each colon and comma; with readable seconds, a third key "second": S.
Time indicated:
{"hour": 11, "minute": 32}
